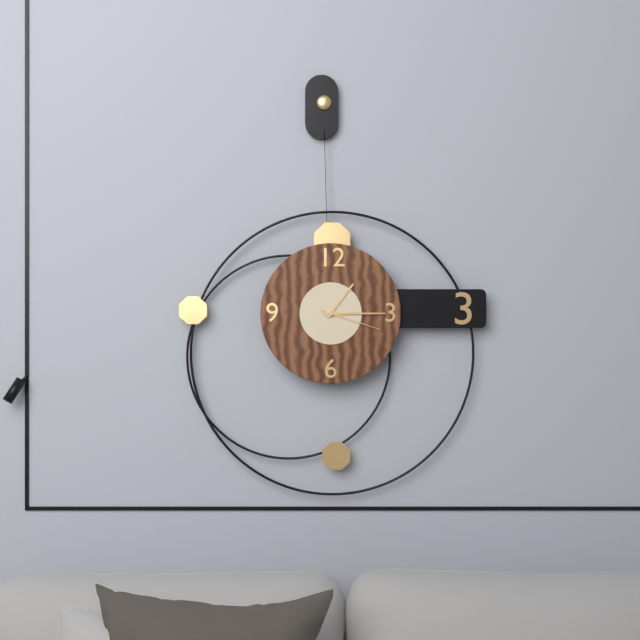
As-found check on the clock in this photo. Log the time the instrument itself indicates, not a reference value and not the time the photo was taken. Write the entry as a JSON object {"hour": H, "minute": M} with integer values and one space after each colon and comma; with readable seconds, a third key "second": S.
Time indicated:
{"hour": 1, "minute": 15, "second": 18}
